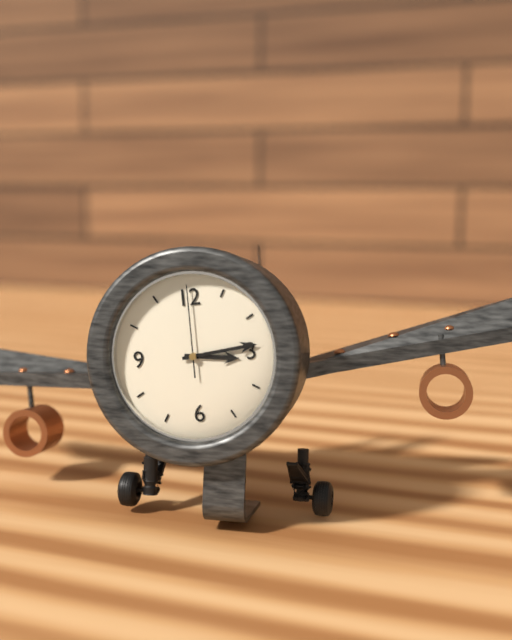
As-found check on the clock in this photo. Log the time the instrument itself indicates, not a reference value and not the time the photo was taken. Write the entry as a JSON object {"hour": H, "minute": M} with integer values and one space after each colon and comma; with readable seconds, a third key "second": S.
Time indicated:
{"hour": 3, "minute": 14, "second": 0}
